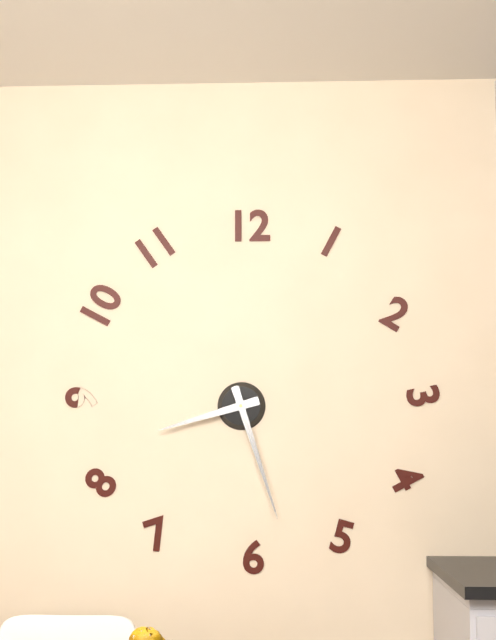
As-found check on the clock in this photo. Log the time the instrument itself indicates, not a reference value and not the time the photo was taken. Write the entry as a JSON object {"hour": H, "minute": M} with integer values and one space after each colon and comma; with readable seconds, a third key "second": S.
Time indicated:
{"hour": 8, "minute": 27}
